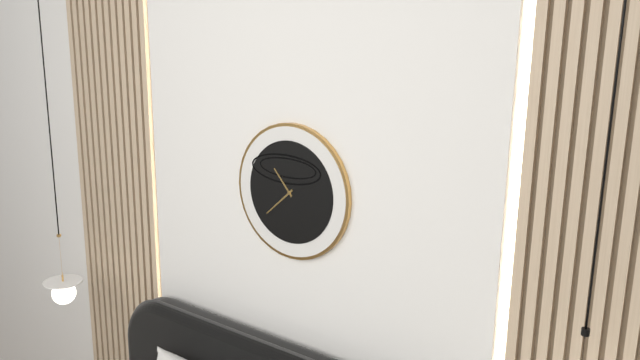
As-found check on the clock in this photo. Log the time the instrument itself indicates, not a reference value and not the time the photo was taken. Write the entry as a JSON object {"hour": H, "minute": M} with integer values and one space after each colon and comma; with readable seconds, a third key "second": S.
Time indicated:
{"hour": 10, "minute": 38}
